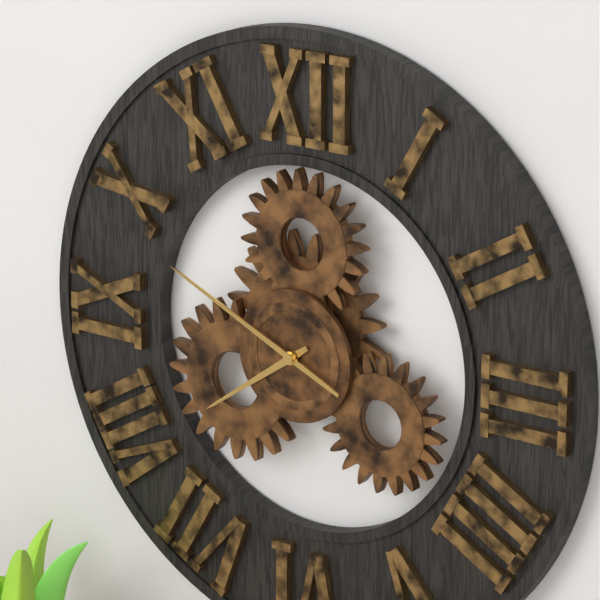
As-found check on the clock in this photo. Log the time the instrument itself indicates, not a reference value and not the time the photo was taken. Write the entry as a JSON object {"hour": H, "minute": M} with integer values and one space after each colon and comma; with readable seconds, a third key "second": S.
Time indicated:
{"hour": 7, "minute": 49}
